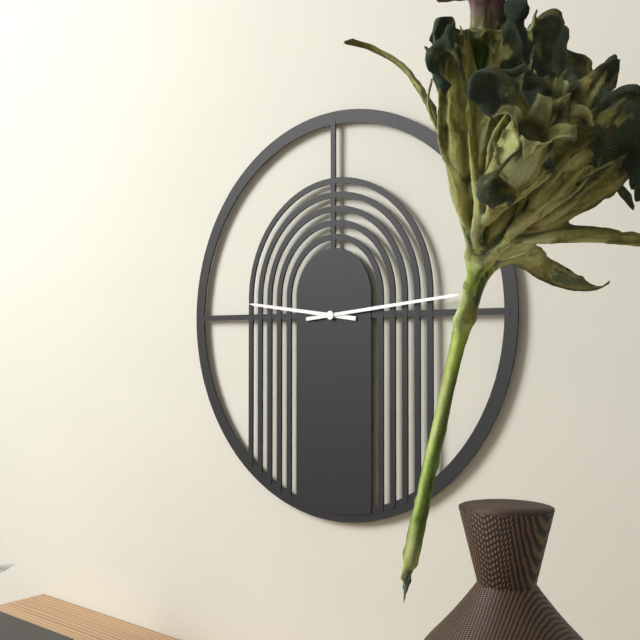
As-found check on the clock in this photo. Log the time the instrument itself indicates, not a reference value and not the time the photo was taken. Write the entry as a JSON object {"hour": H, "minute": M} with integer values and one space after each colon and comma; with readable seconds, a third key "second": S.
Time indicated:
{"hour": 9, "minute": 14}
